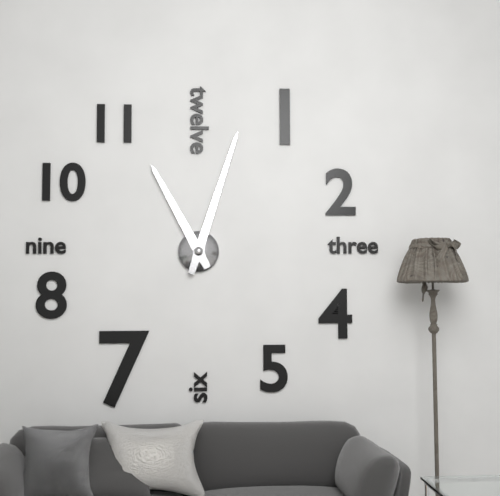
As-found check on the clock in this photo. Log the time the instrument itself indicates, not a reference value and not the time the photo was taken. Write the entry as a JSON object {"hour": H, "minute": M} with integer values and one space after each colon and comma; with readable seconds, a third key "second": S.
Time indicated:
{"hour": 11, "minute": 3}
